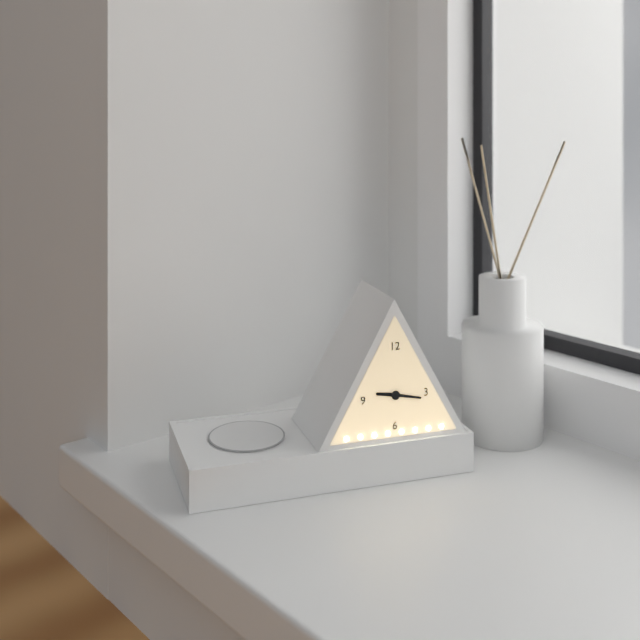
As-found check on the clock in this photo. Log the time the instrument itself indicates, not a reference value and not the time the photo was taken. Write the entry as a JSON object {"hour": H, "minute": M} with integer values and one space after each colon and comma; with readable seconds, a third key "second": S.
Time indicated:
{"hour": 9, "minute": 17}
